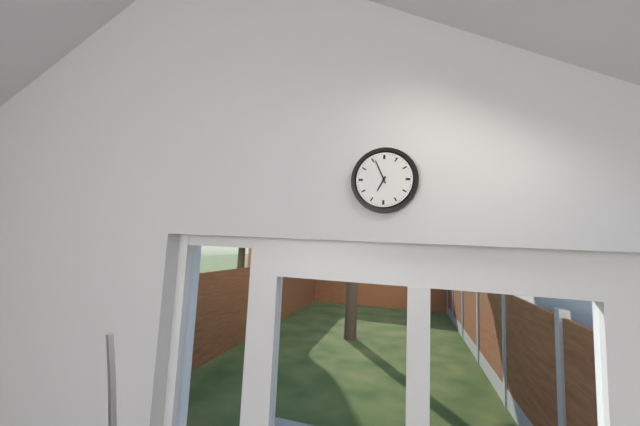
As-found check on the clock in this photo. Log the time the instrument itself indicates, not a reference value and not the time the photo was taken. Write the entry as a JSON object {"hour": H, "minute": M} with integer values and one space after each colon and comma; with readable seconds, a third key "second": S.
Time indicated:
{"hour": 6, "minute": 56}
